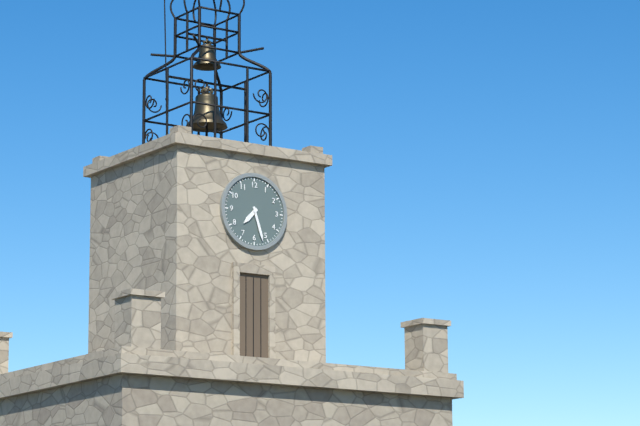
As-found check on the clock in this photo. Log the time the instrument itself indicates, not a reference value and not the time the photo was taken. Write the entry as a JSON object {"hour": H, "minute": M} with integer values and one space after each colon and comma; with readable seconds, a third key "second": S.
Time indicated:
{"hour": 7, "minute": 27}
